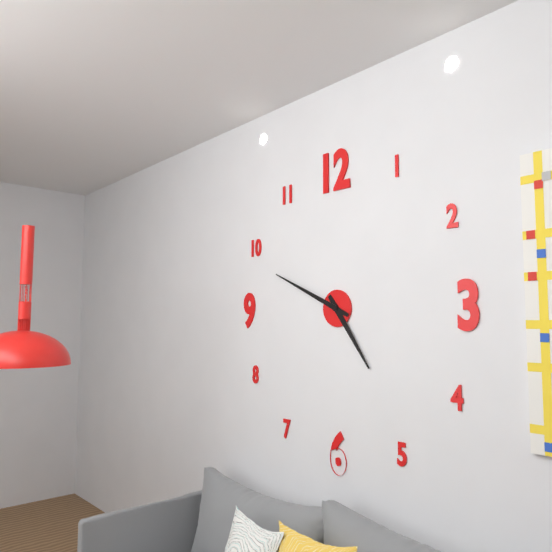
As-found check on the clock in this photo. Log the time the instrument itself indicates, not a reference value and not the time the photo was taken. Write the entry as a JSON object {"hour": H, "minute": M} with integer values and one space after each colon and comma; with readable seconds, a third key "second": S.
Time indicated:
{"hour": 4, "minute": 49}
